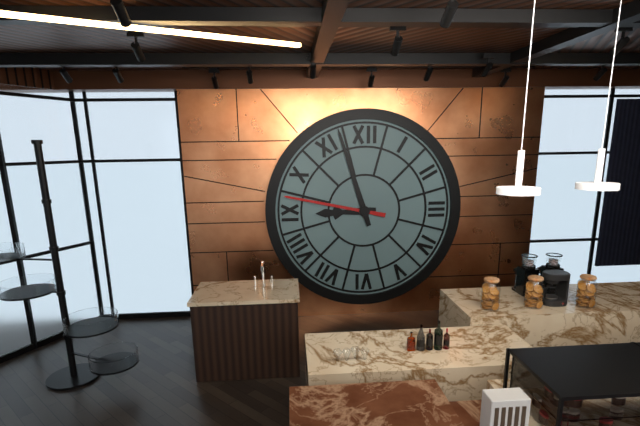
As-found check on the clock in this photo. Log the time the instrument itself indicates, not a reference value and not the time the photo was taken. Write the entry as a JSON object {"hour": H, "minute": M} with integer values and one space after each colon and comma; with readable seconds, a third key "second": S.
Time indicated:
{"hour": 8, "minute": 57, "second": 47}
